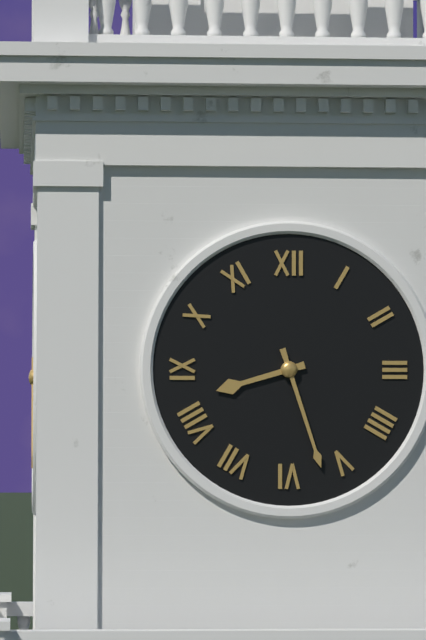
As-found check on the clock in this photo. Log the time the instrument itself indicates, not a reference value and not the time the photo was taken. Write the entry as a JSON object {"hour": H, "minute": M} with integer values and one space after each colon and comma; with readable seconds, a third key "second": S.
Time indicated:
{"hour": 8, "minute": 27}
